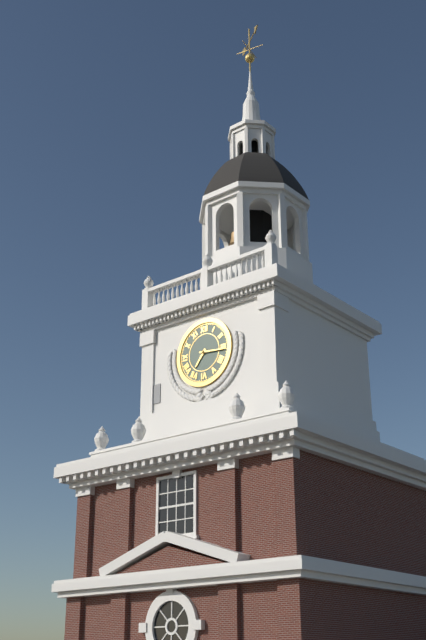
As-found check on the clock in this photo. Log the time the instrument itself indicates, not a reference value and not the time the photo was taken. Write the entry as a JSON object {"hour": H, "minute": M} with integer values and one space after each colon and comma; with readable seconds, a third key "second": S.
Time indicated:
{"hour": 7, "minute": 16}
